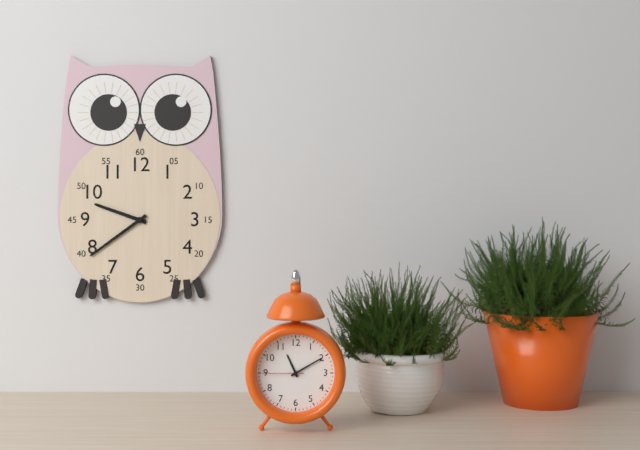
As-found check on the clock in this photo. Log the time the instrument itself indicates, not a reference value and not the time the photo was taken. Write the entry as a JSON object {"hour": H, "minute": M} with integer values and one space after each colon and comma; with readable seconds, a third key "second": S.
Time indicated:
{"hour": 9, "minute": 39}
